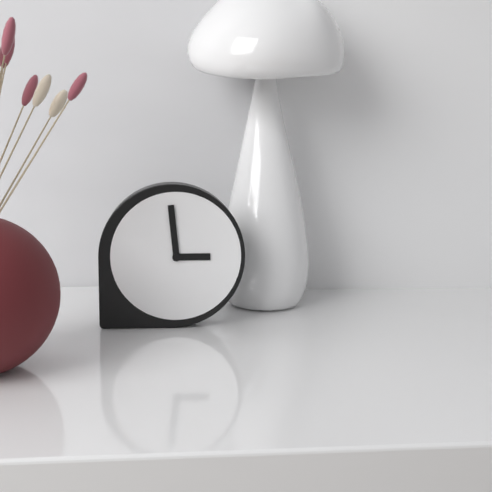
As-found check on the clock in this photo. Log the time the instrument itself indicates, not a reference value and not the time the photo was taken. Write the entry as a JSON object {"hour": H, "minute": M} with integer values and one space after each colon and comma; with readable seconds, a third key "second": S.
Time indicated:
{"hour": 2, "minute": 59}
